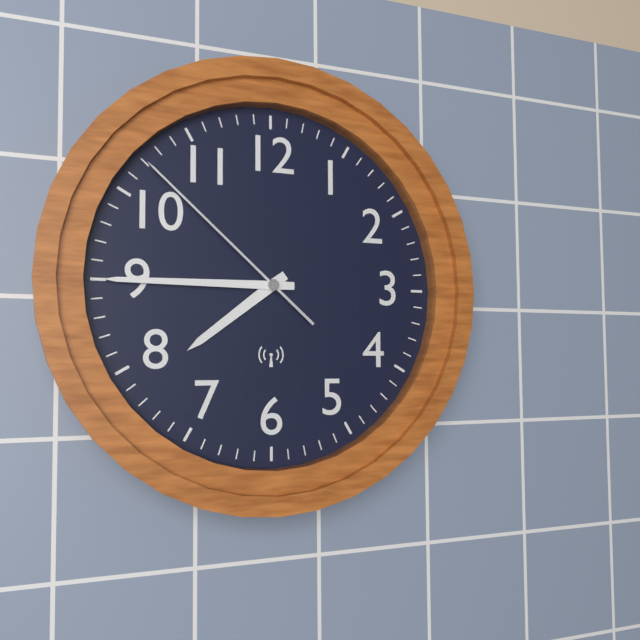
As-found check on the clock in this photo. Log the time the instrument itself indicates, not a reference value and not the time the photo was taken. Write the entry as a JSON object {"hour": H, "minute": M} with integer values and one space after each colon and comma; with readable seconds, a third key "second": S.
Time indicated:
{"hour": 7, "minute": 45, "second": 52}
